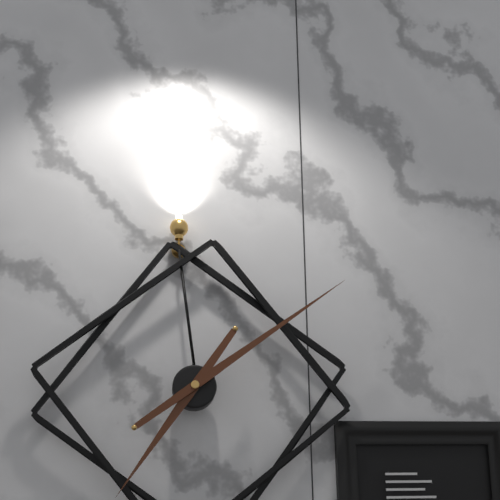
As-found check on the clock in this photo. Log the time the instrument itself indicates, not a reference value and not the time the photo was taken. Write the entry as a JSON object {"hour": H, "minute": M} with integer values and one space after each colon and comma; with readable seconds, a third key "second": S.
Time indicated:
{"hour": 7, "minute": 9}
